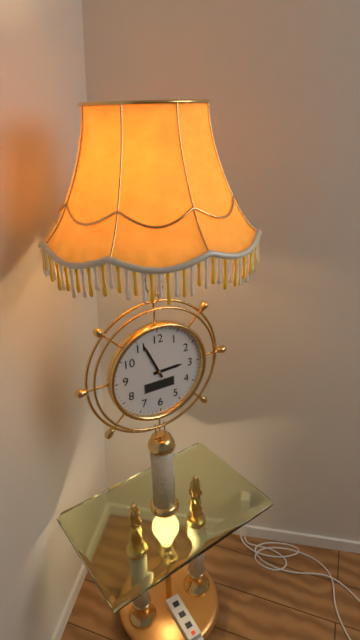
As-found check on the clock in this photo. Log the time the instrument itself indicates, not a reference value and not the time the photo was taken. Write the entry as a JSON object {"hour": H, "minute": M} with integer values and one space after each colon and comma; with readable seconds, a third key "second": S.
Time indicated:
{"hour": 2, "minute": 56}
